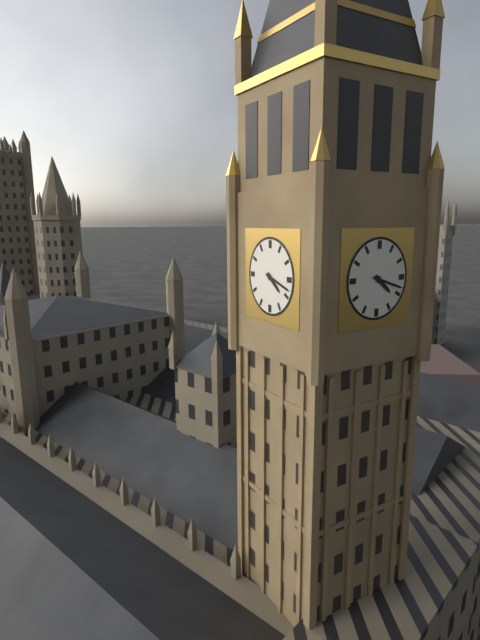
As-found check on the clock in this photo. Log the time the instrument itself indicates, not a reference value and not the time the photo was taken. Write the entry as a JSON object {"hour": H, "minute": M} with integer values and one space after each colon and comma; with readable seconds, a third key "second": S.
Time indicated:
{"hour": 4, "minute": 18}
